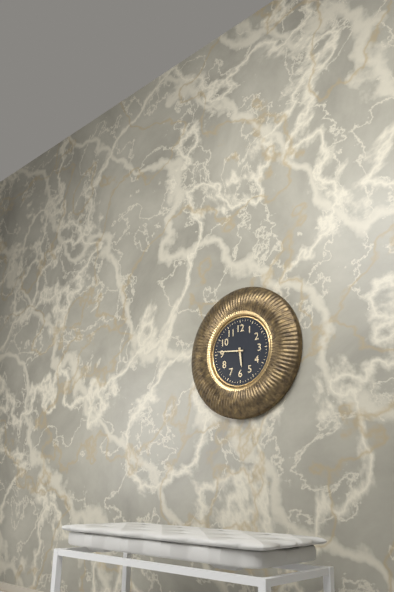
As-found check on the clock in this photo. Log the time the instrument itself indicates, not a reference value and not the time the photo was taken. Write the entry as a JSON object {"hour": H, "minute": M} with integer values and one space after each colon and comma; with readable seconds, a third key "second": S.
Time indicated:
{"hour": 5, "minute": 46}
